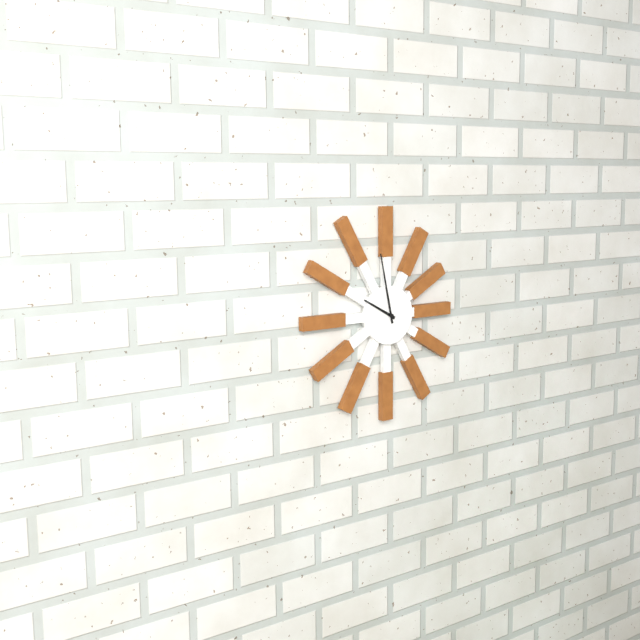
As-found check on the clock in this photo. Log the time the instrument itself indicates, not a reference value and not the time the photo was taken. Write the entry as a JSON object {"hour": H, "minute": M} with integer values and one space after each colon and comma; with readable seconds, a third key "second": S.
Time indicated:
{"hour": 9, "minute": 58}
